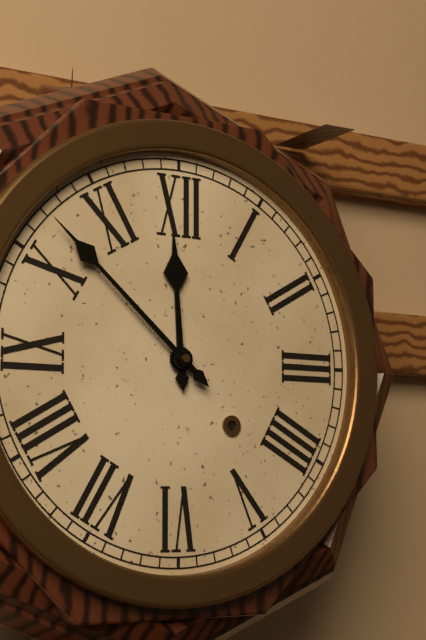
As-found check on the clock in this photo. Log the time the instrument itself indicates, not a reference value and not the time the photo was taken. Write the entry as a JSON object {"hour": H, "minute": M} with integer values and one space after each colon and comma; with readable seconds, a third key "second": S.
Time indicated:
{"hour": 11, "minute": 52}
